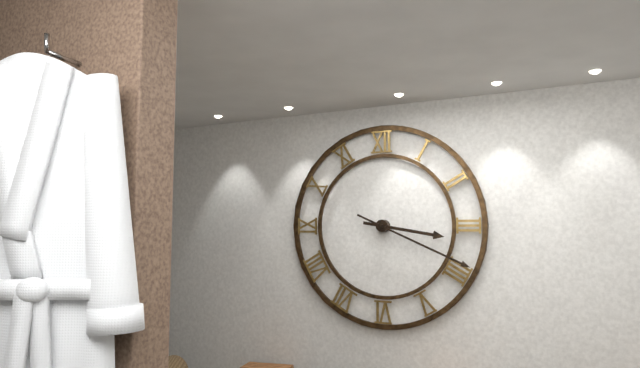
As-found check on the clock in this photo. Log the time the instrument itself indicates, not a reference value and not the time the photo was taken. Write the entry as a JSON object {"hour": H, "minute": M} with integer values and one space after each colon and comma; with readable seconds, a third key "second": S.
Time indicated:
{"hour": 3, "minute": 19}
